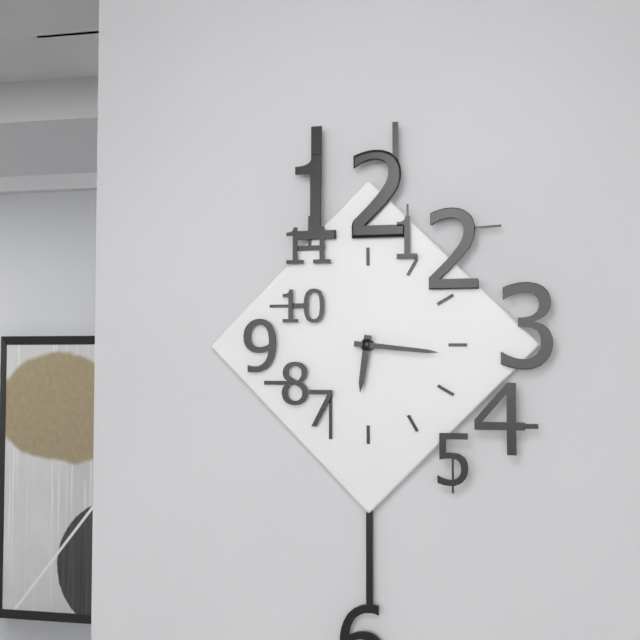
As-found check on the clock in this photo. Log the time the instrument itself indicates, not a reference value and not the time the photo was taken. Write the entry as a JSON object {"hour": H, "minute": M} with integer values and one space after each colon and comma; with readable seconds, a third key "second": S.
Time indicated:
{"hour": 6, "minute": 16}
